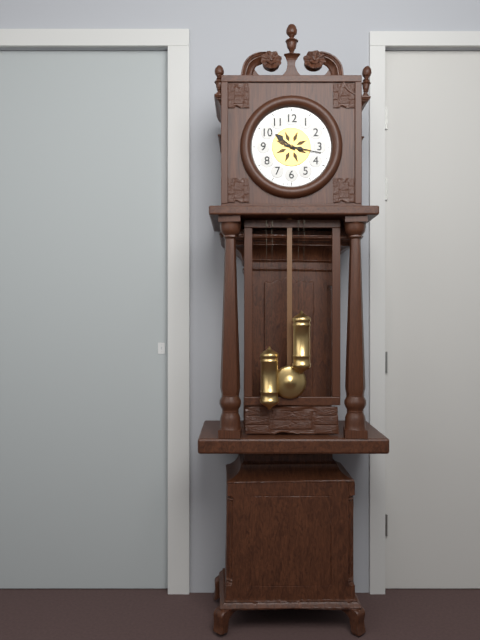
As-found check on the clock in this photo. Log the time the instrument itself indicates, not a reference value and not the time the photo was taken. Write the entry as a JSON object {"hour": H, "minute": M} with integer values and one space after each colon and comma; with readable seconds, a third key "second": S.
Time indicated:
{"hour": 10, "minute": 17}
